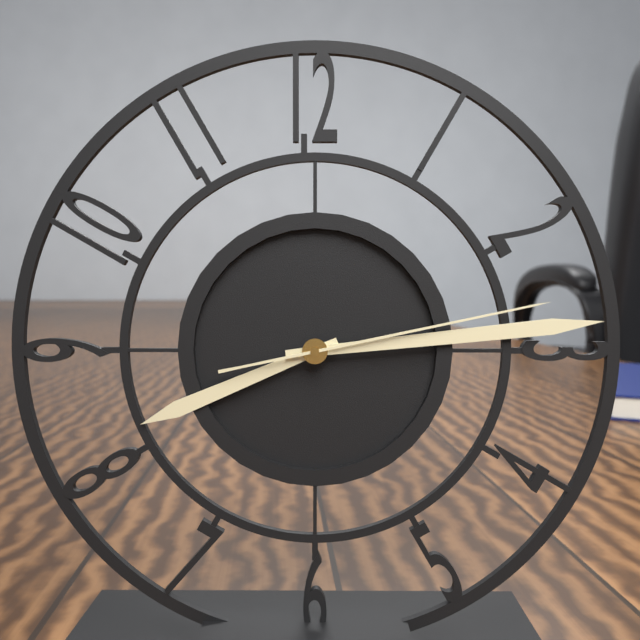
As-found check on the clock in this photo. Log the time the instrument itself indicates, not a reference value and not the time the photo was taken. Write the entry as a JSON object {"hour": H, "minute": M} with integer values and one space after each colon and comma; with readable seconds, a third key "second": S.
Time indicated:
{"hour": 8, "minute": 14, "second": 13}
